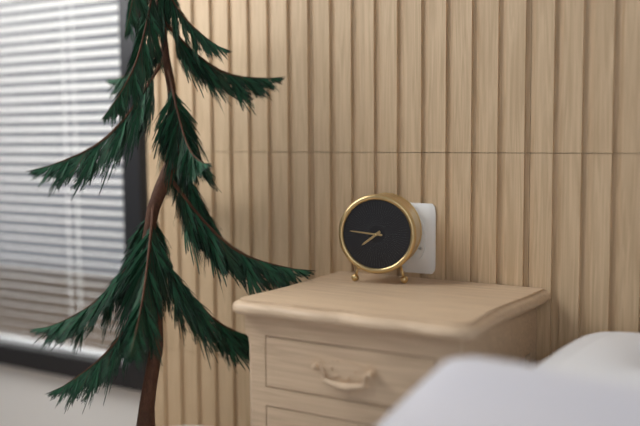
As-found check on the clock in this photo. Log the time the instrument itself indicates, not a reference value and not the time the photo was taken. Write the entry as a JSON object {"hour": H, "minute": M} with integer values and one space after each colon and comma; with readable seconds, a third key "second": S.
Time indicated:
{"hour": 7, "minute": 46}
